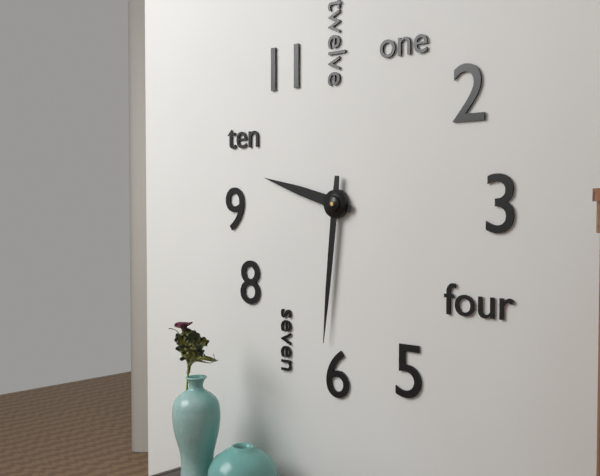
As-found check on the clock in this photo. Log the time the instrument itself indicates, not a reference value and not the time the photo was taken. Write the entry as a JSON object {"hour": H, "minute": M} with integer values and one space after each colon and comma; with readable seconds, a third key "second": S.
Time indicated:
{"hour": 9, "minute": 31}
